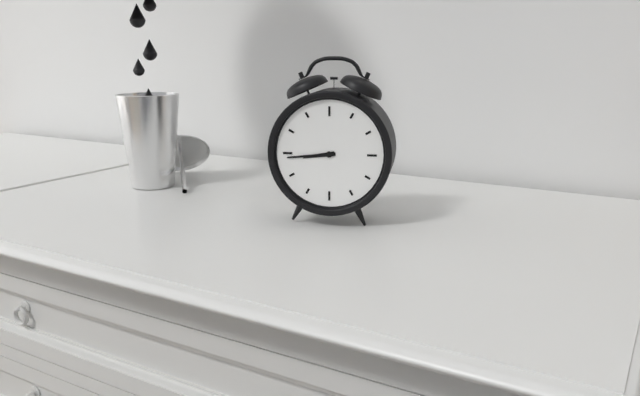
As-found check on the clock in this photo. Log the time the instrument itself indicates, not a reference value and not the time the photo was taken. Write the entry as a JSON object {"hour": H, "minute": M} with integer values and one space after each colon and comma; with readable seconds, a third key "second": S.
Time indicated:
{"hour": 8, "minute": 44}
